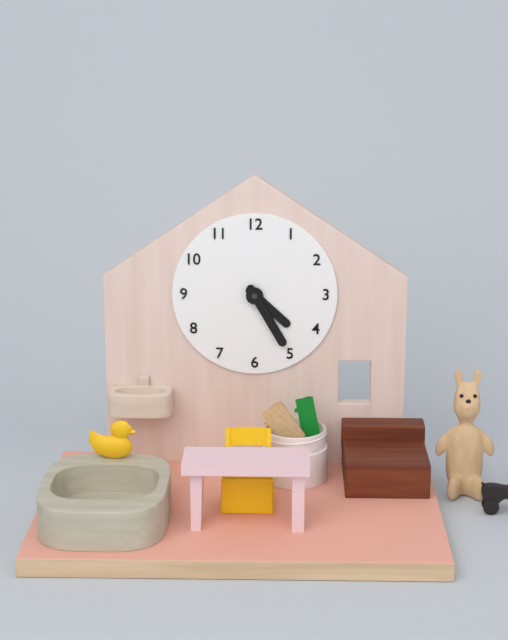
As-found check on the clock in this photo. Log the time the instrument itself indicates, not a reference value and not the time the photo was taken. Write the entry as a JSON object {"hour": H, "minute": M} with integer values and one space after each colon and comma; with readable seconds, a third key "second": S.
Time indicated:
{"hour": 4, "minute": 25}
